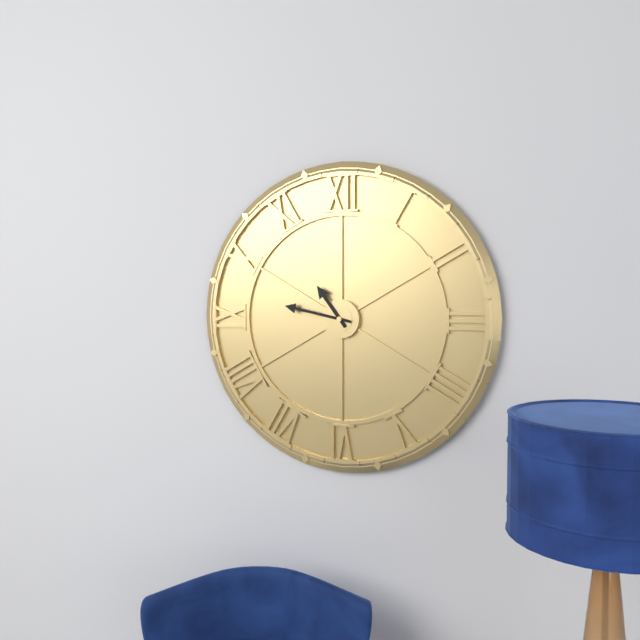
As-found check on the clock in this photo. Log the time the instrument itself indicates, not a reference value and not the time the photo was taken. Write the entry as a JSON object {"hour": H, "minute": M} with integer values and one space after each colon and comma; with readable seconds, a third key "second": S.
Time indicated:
{"hour": 10, "minute": 47}
